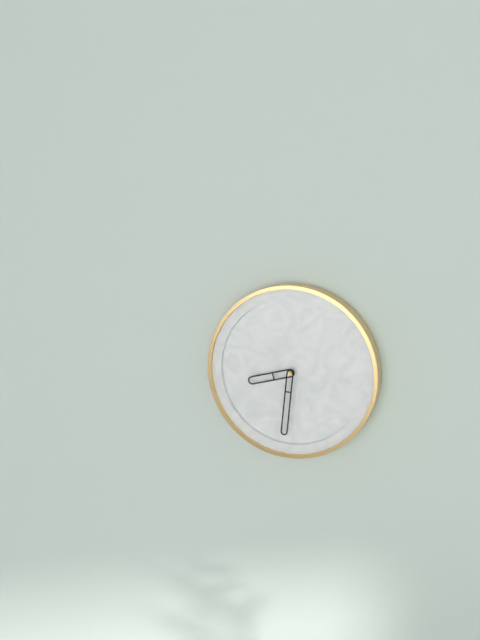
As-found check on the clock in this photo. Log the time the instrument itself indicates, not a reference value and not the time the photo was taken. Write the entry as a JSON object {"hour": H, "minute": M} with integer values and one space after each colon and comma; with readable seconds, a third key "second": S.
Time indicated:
{"hour": 8, "minute": 31}
